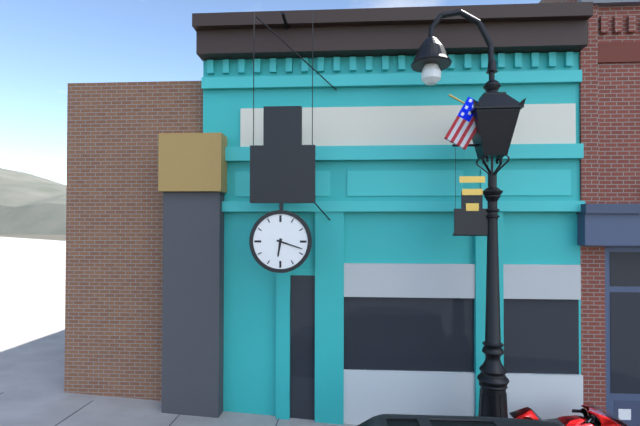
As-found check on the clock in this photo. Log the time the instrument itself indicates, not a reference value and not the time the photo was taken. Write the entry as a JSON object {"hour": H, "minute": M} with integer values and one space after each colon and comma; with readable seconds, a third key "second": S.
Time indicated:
{"hour": 6, "minute": 18}
